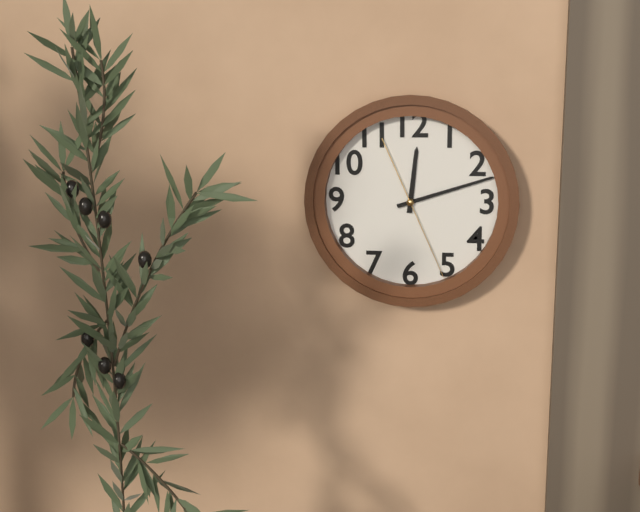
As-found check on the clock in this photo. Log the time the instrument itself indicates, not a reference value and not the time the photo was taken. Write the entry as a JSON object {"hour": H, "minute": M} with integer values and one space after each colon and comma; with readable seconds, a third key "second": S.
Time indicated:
{"hour": 12, "minute": 12, "second": 26}
